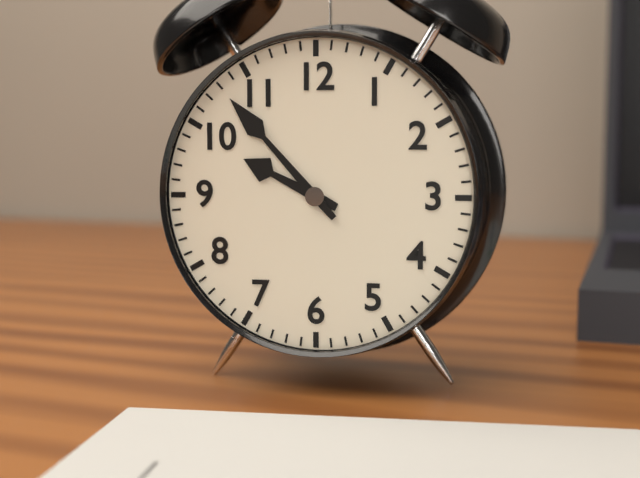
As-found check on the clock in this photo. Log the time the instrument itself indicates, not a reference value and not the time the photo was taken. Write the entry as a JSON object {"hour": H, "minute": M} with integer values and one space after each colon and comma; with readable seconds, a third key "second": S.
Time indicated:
{"hour": 9, "minute": 53}
